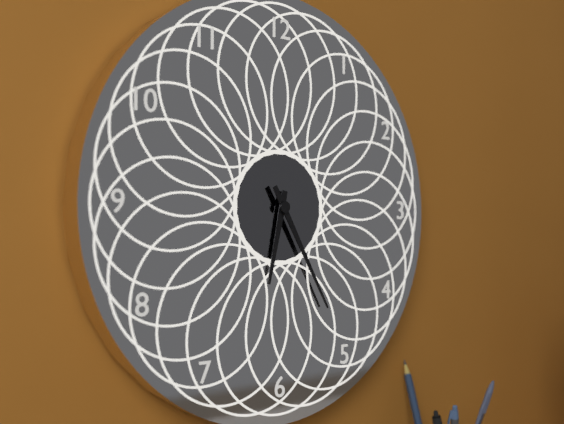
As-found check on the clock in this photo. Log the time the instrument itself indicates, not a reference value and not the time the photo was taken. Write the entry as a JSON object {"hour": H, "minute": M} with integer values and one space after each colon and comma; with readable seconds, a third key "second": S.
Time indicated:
{"hour": 6, "minute": 25}
